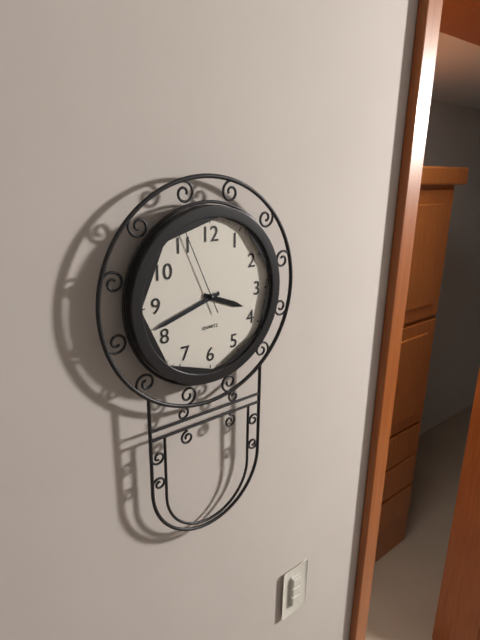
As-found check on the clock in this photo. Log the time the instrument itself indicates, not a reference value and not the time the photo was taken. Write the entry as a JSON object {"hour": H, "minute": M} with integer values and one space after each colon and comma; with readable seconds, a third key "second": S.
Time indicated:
{"hour": 3, "minute": 42, "second": 56}
